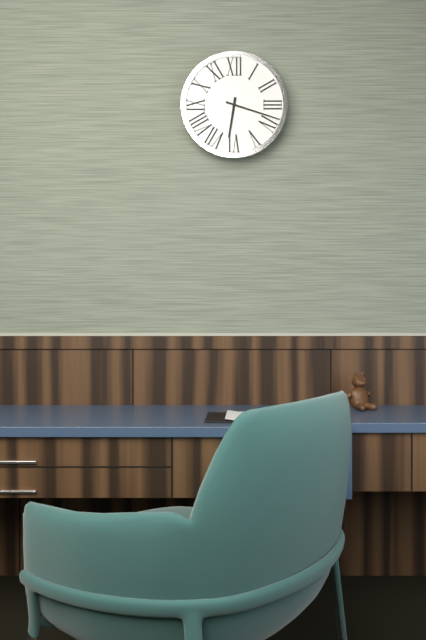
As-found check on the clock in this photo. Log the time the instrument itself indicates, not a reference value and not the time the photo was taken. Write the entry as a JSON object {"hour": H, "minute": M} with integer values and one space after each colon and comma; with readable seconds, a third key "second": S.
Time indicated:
{"hour": 6, "minute": 18}
